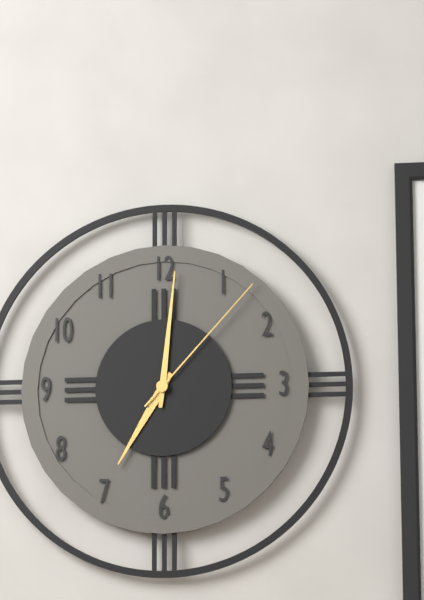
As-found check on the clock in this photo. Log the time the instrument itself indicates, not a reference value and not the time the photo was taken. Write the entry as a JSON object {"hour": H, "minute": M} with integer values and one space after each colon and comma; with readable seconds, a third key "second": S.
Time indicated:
{"hour": 7, "minute": 1, "second": 7}
